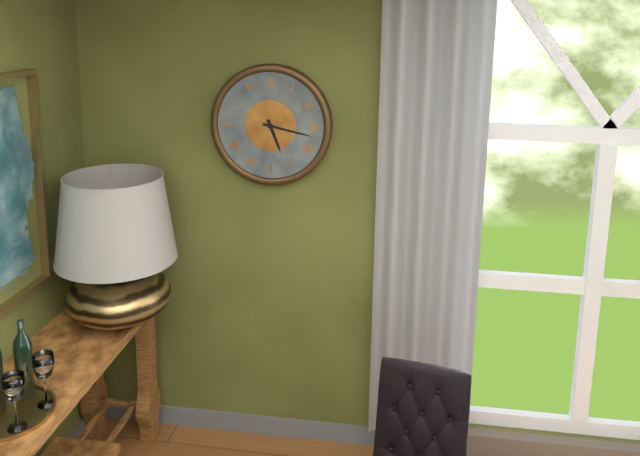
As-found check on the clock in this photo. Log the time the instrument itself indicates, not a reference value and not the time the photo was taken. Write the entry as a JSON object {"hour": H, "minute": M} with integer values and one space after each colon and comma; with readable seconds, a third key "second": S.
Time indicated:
{"hour": 5, "minute": 17}
